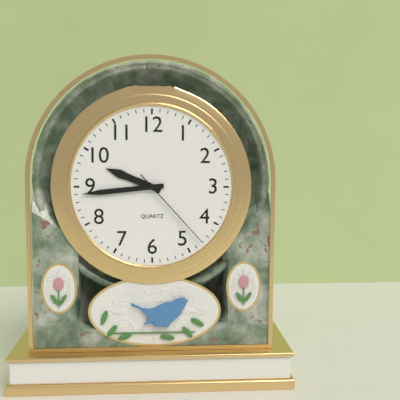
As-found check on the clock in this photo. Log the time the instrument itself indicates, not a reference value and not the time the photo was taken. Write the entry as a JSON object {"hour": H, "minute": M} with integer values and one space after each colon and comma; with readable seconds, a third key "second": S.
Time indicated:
{"hour": 9, "minute": 44, "second": 23}
